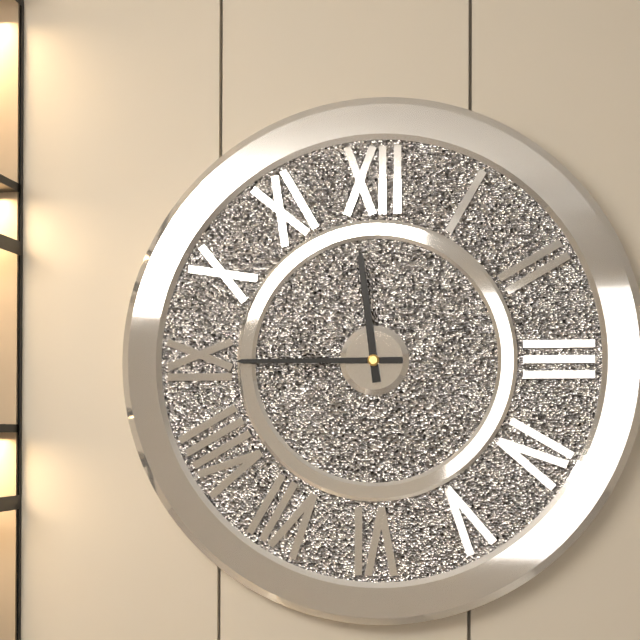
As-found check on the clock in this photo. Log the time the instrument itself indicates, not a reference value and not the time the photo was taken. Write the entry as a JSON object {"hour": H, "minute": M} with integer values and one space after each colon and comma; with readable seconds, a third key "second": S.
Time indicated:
{"hour": 11, "minute": 45}
